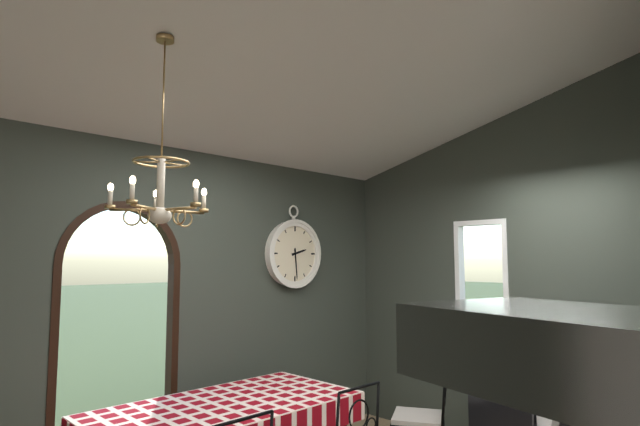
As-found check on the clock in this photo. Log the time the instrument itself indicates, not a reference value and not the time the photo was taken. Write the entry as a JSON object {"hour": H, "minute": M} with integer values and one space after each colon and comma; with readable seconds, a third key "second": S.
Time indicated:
{"hour": 2, "minute": 29}
